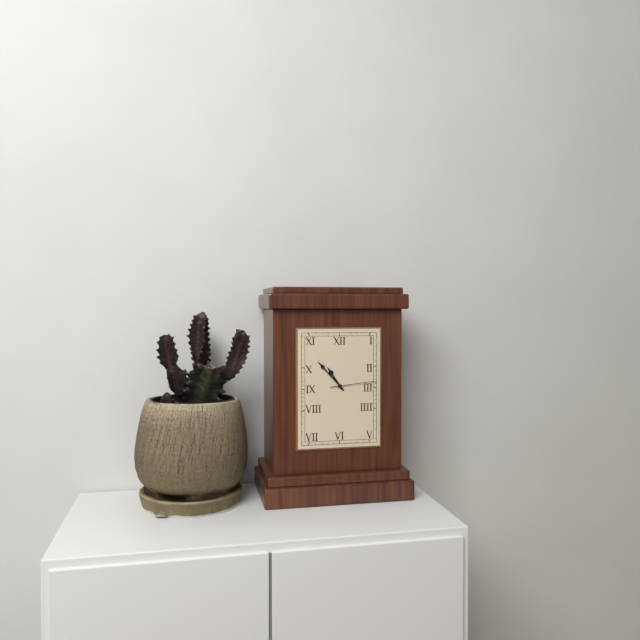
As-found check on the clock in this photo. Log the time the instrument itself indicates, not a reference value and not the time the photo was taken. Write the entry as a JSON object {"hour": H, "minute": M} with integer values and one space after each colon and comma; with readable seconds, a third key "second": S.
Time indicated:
{"hour": 10, "minute": 53, "second": 14}
